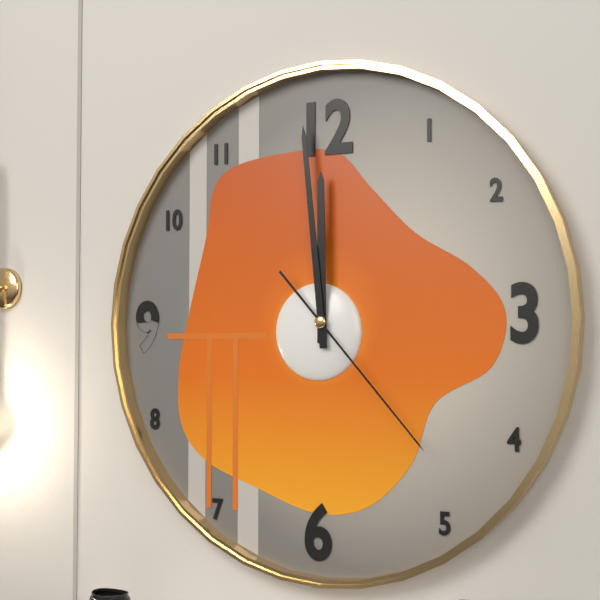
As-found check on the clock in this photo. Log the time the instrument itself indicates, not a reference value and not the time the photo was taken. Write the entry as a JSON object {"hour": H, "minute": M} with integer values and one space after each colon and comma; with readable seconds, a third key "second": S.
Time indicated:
{"hour": 11, "minute": 59, "second": 23}
